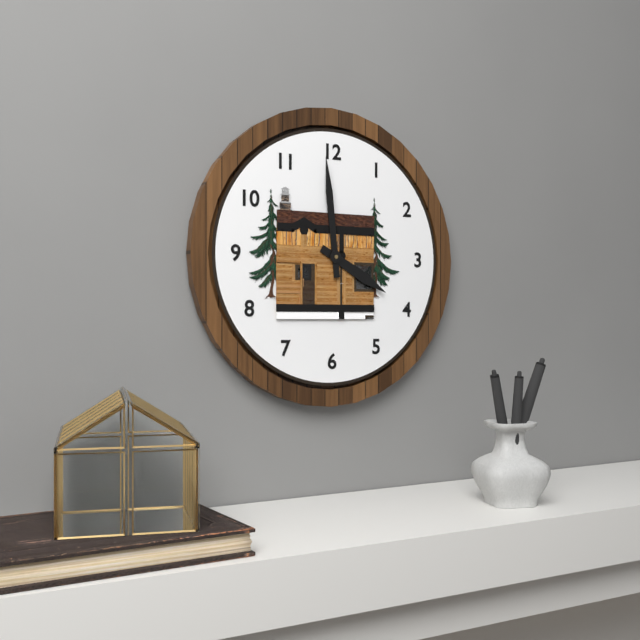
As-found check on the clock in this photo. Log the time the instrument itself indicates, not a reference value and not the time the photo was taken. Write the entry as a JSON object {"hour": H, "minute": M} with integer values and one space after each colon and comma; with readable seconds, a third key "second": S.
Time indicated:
{"hour": 3, "minute": 59}
